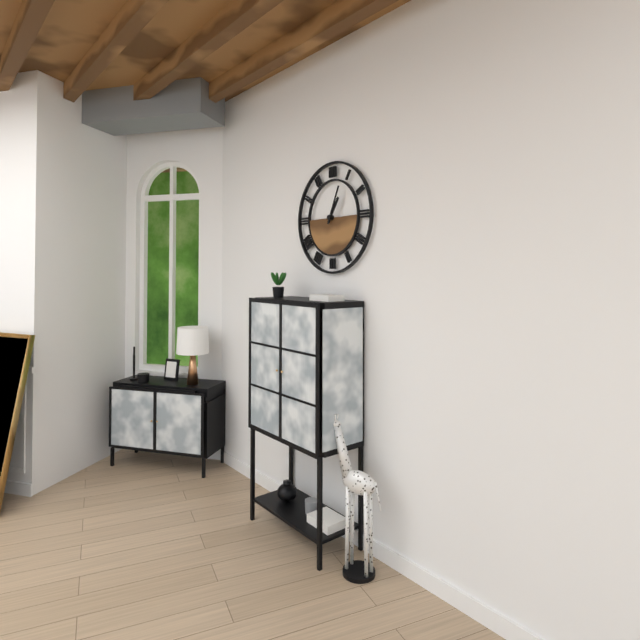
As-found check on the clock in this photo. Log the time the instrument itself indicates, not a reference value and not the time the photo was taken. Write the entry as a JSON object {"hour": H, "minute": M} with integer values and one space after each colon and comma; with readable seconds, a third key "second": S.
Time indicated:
{"hour": 1, "minute": 4}
